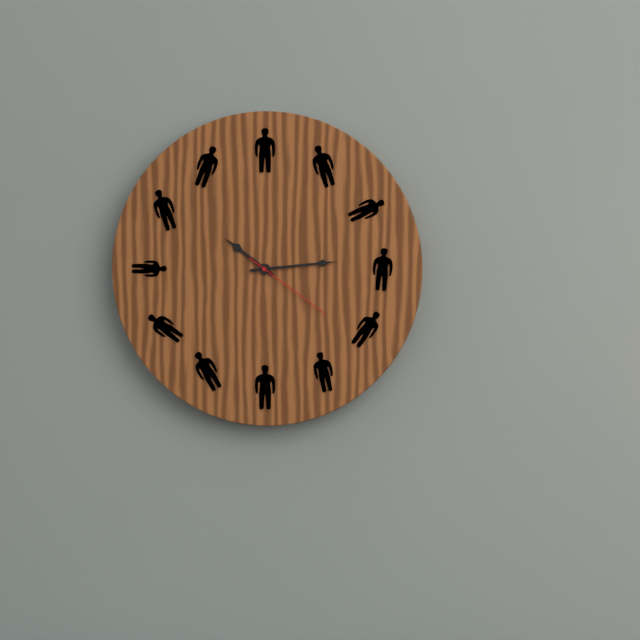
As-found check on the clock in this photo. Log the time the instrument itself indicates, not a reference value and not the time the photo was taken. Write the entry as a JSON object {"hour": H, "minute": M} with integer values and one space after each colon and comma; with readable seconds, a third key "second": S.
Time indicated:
{"hour": 10, "minute": 14, "second": 21}
